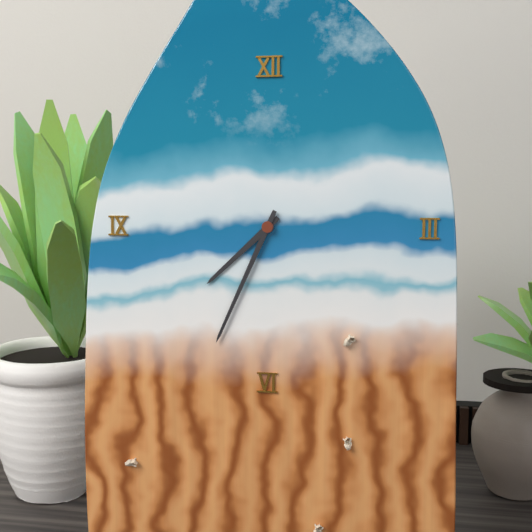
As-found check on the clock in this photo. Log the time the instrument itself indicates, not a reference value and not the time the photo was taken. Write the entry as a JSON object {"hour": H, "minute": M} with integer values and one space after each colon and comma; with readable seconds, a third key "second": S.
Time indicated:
{"hour": 7, "minute": 34}
